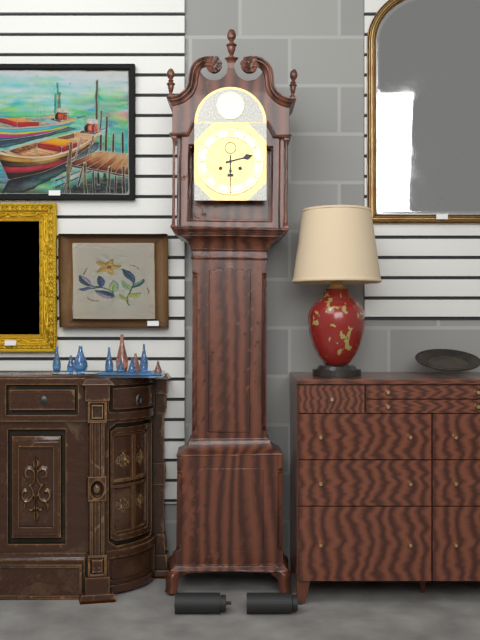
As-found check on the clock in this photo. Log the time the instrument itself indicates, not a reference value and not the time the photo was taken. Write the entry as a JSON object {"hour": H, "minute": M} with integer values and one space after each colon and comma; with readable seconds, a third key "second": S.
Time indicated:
{"hour": 2, "minute": 30}
